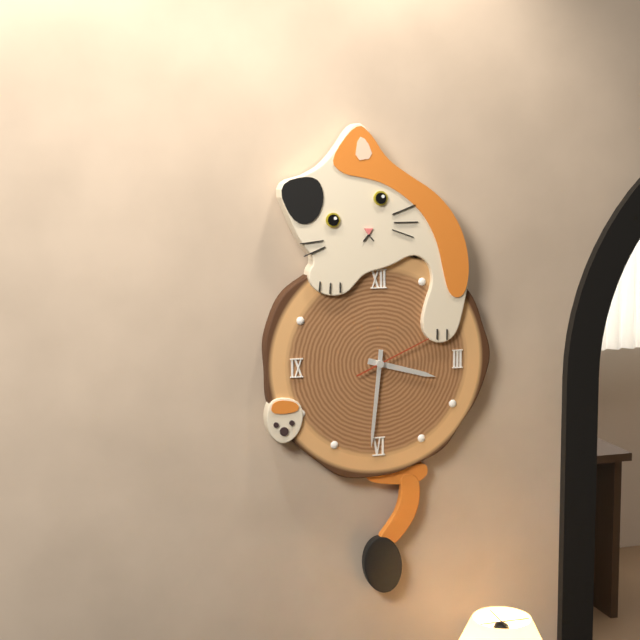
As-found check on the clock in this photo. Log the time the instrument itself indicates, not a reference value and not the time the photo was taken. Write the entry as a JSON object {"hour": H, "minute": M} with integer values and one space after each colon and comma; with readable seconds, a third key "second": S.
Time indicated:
{"hour": 3, "minute": 31}
